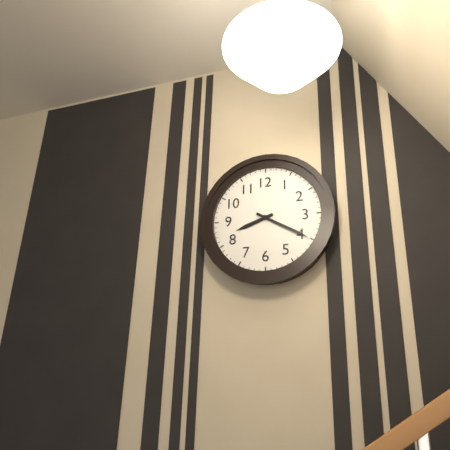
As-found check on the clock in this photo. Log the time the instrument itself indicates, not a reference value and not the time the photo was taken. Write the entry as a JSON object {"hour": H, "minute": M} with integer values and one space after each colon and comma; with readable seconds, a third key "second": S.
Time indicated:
{"hour": 8, "minute": 20}
